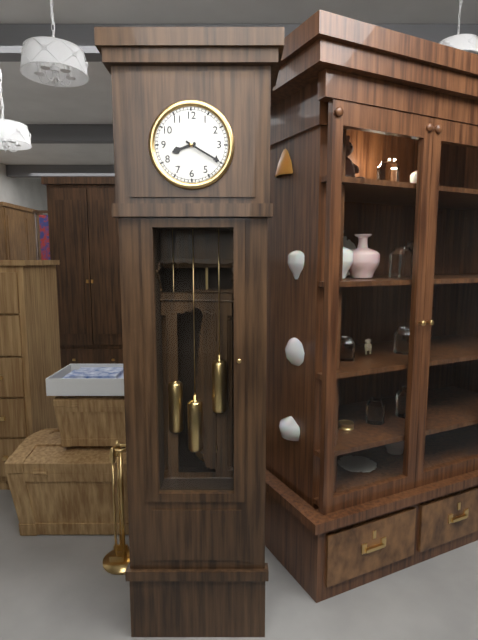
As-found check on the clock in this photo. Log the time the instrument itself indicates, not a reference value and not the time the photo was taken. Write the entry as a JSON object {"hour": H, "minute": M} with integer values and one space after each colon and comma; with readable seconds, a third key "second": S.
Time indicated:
{"hour": 8, "minute": 20}
